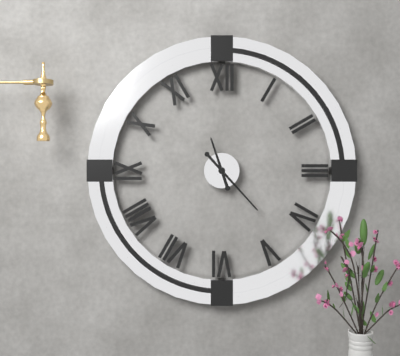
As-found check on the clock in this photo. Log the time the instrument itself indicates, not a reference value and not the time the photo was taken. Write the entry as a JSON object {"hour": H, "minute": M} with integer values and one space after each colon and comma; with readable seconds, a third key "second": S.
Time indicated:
{"hour": 11, "minute": 23}
